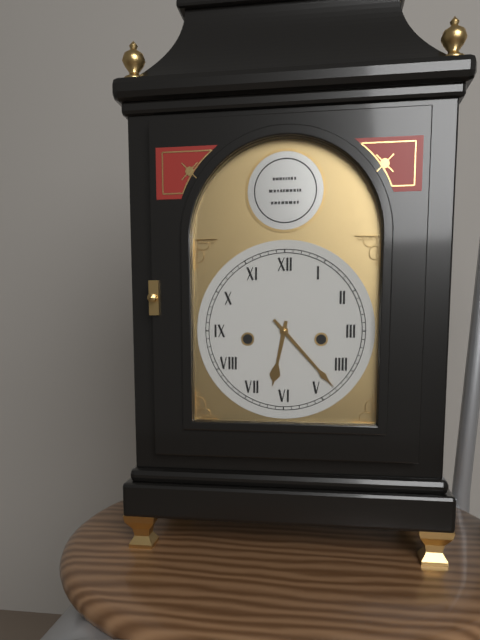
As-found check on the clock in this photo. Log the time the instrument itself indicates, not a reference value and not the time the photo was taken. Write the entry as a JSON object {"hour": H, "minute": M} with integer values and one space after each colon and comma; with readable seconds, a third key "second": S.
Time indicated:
{"hour": 6, "minute": 23}
